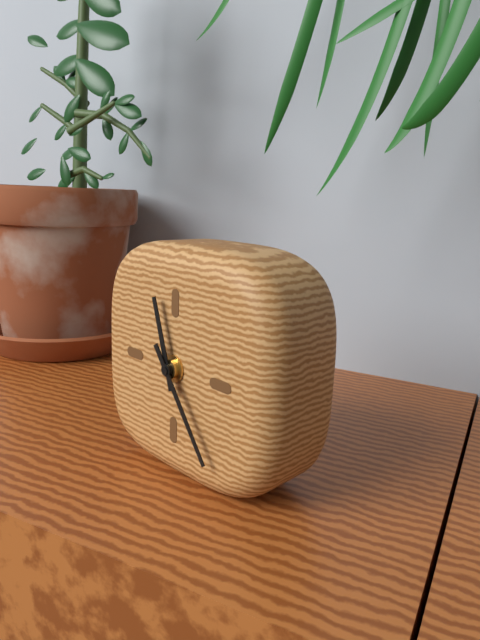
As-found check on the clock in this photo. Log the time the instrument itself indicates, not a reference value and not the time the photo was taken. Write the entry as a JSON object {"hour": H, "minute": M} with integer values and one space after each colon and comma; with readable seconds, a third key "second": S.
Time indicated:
{"hour": 11, "minute": 24}
